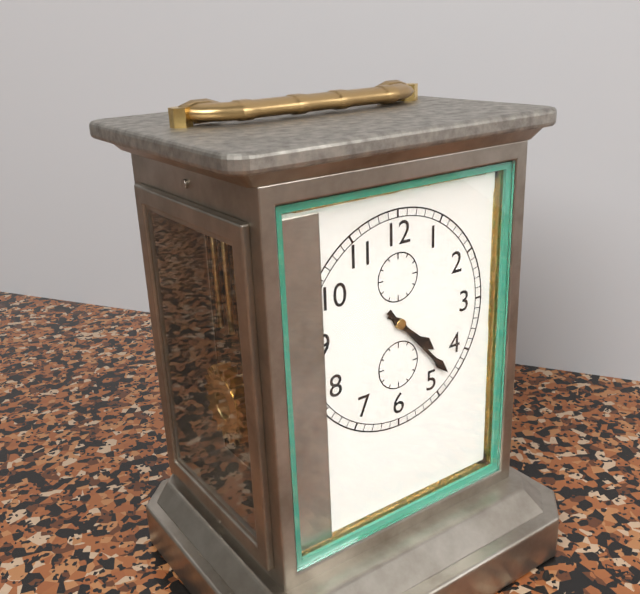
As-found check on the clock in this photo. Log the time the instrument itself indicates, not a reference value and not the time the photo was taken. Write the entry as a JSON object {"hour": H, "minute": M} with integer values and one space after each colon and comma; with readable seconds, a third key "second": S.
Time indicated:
{"hour": 4, "minute": 23}
